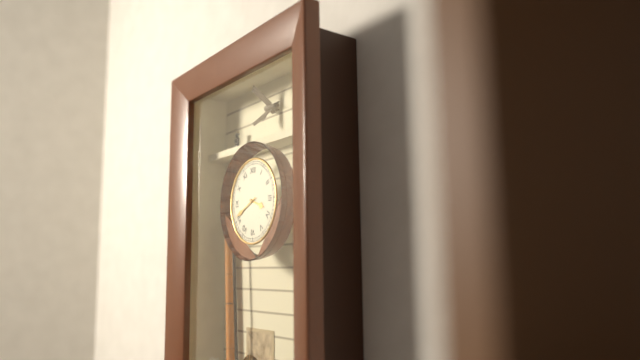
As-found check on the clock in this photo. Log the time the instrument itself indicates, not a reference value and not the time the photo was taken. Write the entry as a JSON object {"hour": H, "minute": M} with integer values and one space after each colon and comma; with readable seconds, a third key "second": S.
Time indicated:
{"hour": 3, "minute": 41}
